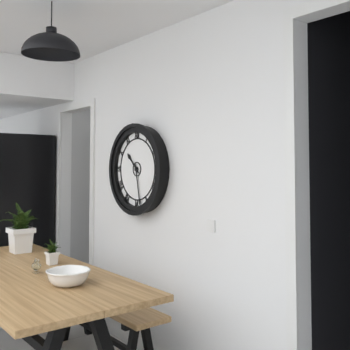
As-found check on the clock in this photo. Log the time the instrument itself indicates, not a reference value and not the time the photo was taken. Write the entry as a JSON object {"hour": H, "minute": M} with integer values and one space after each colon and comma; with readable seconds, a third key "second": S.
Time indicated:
{"hour": 10, "minute": 28}
